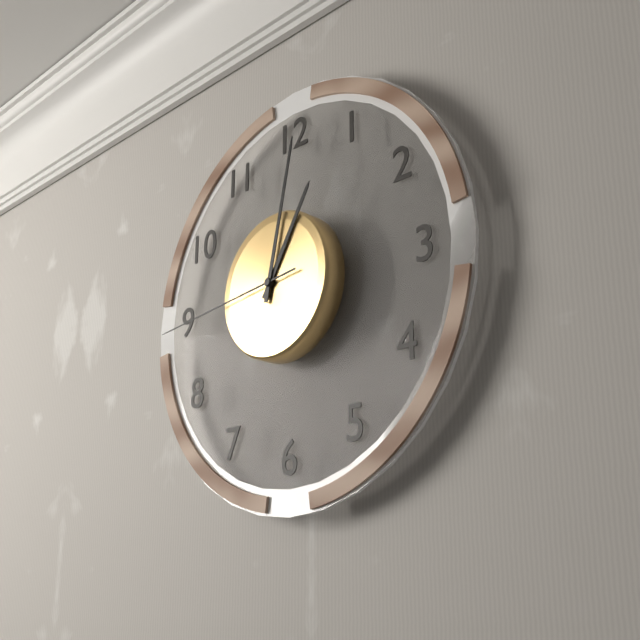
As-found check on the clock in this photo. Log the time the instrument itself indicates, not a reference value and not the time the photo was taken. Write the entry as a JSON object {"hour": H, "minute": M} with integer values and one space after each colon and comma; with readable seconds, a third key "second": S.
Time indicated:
{"hour": 1, "minute": 2, "second": 44}
